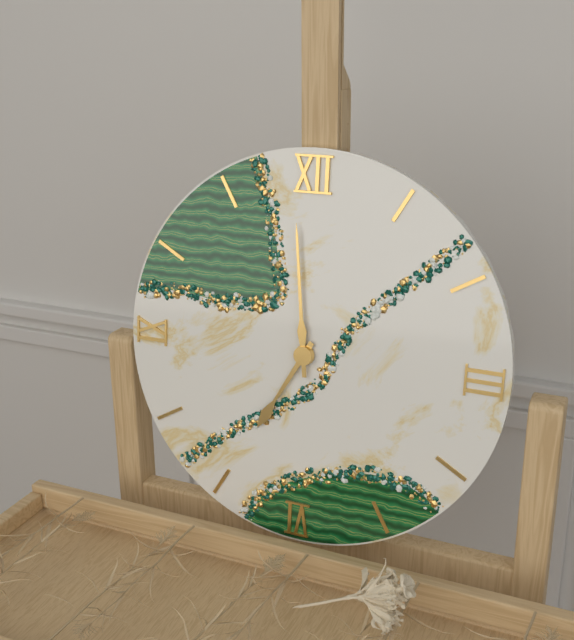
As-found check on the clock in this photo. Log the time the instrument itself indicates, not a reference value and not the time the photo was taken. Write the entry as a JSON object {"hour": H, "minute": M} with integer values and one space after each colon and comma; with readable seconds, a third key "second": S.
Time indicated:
{"hour": 6, "minute": 59}
